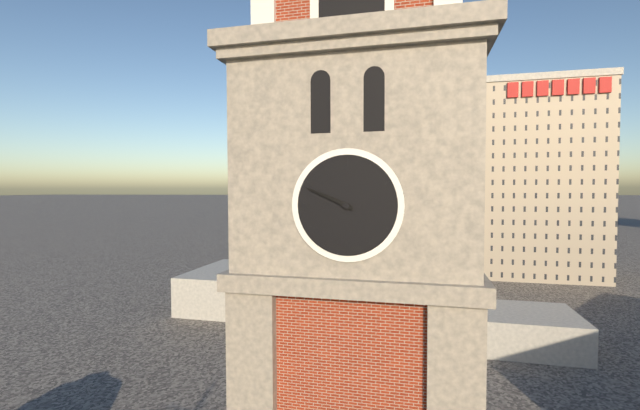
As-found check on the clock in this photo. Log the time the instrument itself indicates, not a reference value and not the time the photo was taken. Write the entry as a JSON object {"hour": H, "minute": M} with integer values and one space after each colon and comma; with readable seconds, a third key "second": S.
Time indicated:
{"hour": 9, "minute": 49}
